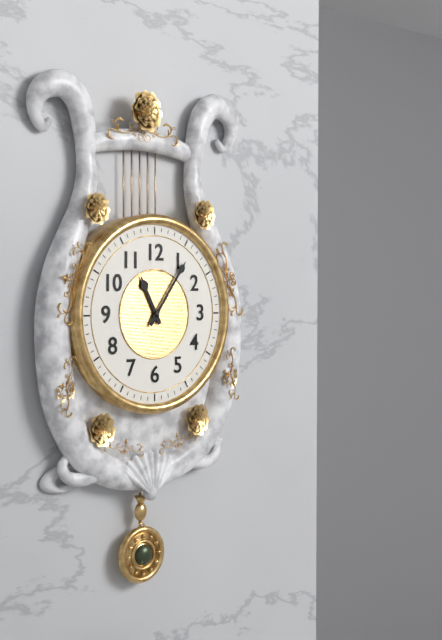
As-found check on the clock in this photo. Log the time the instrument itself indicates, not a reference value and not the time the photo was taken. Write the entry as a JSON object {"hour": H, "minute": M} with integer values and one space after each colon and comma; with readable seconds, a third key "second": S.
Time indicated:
{"hour": 11, "minute": 6}
